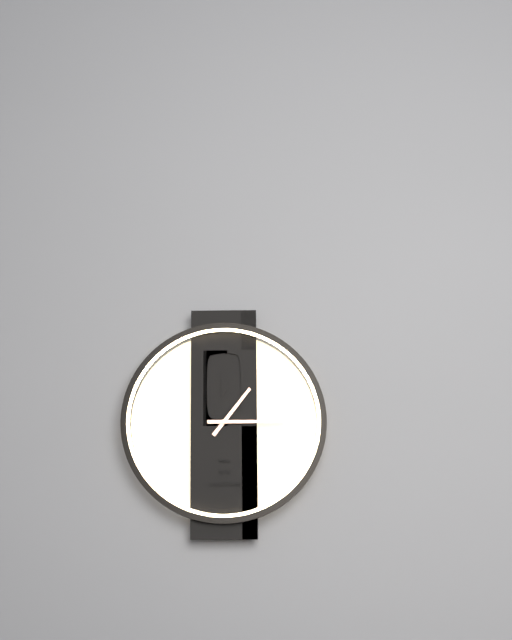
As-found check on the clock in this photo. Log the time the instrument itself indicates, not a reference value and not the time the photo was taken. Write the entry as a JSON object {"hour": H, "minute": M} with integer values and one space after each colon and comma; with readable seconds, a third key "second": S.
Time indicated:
{"hour": 1, "minute": 15}
